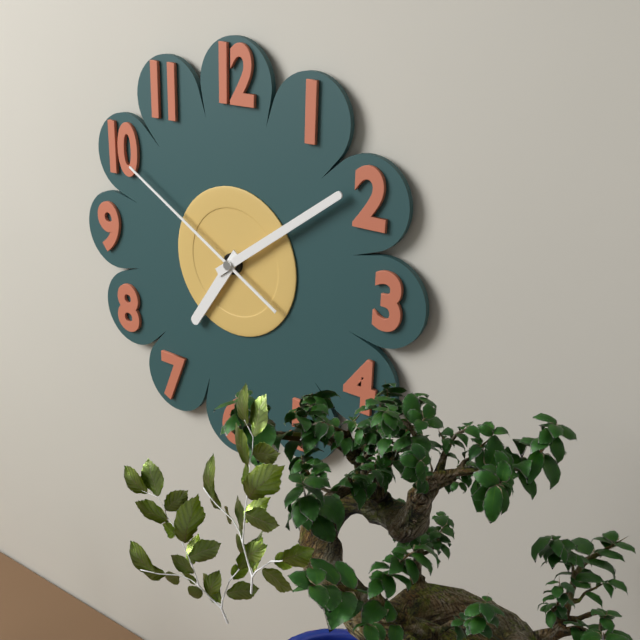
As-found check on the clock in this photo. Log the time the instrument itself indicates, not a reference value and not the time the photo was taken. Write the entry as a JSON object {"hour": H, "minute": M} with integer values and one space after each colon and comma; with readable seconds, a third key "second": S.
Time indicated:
{"hour": 7, "minute": 9, "second": 50}
